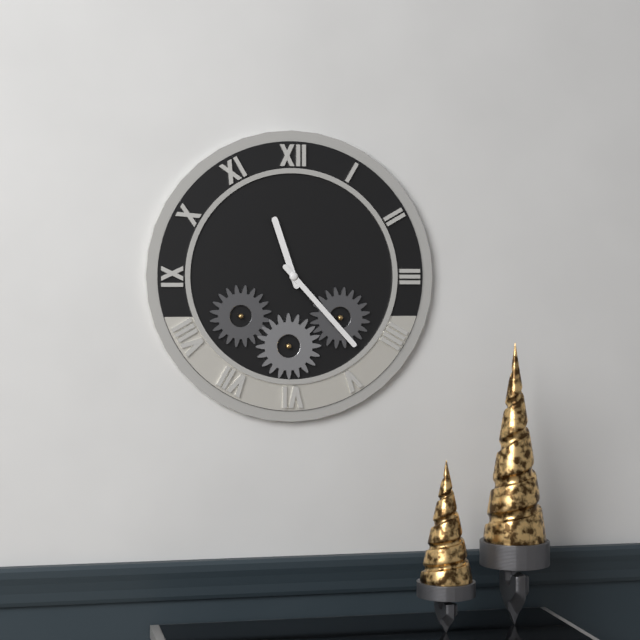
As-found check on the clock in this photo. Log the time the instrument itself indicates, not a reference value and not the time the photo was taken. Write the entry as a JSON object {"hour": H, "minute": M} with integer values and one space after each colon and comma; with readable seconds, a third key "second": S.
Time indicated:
{"hour": 11, "minute": 23}
